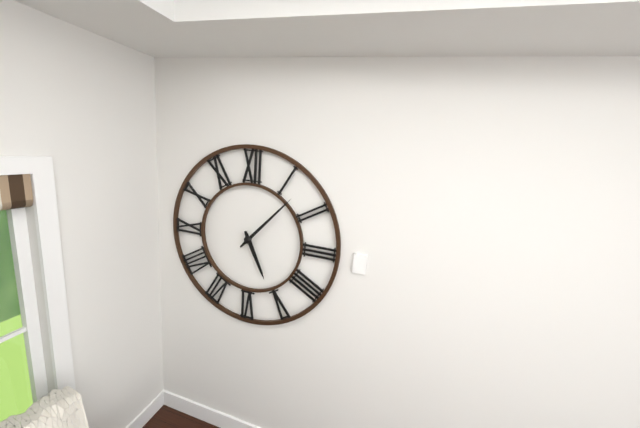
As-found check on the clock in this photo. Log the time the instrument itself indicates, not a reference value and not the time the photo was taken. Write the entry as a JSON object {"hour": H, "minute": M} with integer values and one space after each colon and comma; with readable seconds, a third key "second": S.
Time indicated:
{"hour": 5, "minute": 7}
